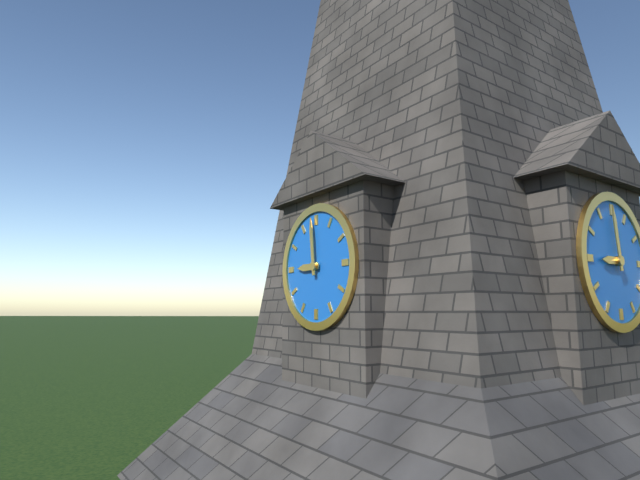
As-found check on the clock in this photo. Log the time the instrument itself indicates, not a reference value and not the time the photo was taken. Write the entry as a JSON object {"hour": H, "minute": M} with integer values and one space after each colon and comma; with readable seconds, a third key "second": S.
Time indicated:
{"hour": 8, "minute": 59}
